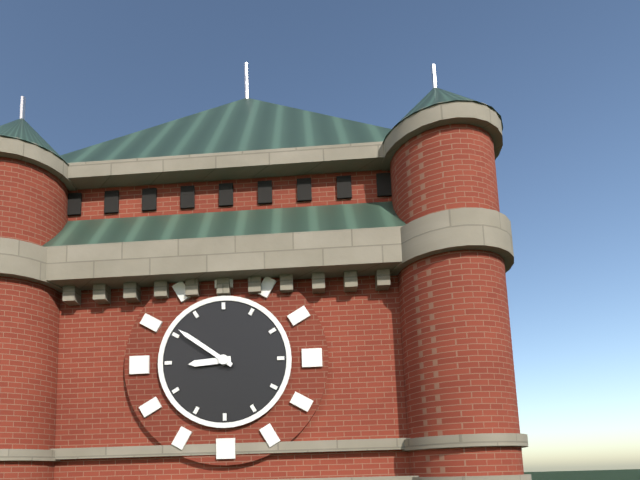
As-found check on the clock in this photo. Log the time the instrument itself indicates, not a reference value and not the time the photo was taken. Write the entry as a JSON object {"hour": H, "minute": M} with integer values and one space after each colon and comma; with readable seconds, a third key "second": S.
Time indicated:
{"hour": 8, "minute": 51}
